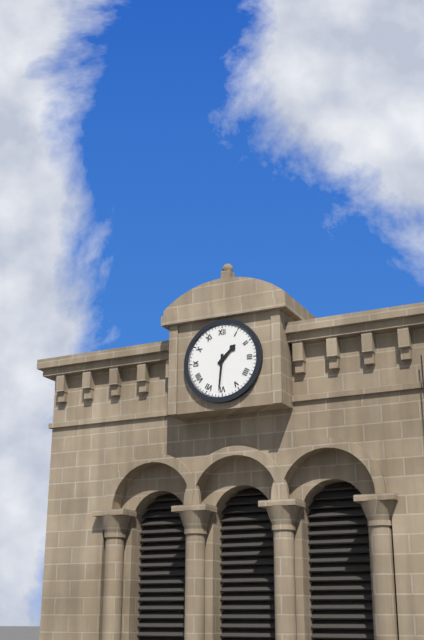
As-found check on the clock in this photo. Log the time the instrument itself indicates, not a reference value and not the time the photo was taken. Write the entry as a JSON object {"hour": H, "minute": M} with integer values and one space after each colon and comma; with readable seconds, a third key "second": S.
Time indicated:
{"hour": 1, "minute": 31}
